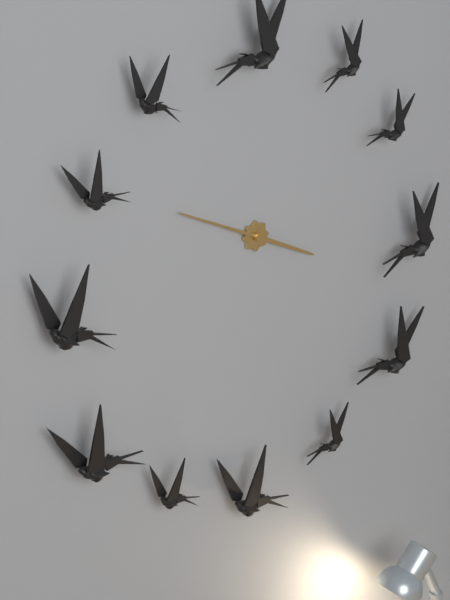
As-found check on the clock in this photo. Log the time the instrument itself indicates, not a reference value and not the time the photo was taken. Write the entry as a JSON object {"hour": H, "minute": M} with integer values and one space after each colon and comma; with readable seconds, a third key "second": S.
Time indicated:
{"hour": 3, "minute": 49}
